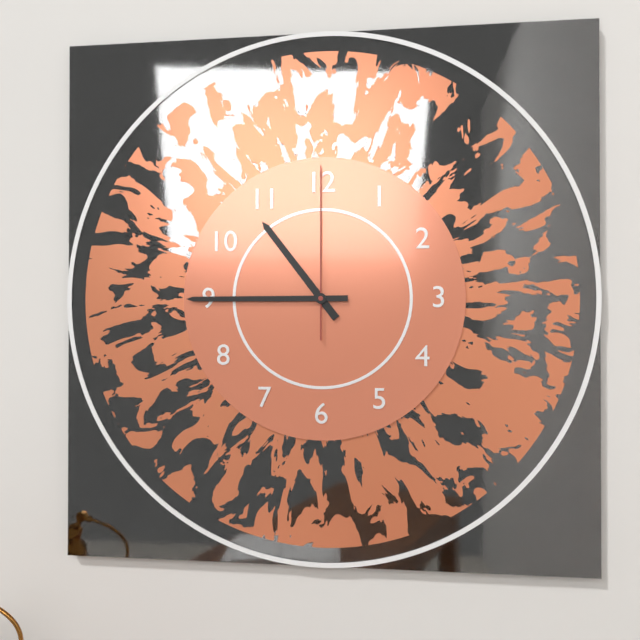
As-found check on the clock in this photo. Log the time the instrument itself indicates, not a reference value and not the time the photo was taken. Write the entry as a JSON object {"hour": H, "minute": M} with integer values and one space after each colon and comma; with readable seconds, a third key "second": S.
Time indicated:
{"hour": 10, "minute": 45, "second": 0}
